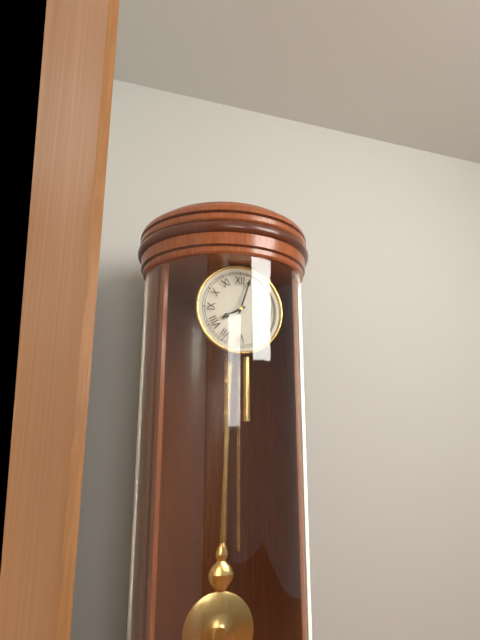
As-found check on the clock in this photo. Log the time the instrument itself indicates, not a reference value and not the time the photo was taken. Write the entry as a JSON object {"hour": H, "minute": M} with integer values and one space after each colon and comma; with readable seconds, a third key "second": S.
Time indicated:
{"hour": 8, "minute": 3}
